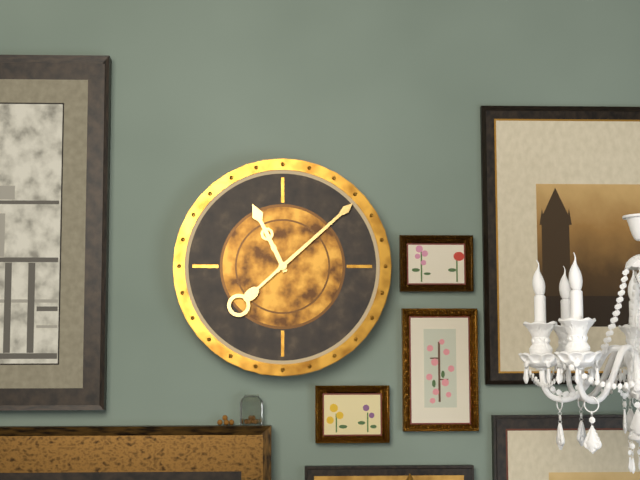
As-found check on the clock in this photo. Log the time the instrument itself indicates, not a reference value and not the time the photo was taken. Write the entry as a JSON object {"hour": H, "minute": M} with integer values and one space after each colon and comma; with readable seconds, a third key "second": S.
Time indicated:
{"hour": 11, "minute": 8}
